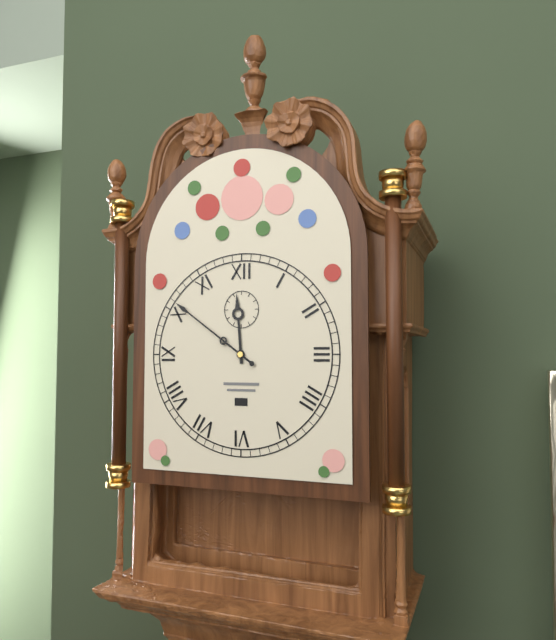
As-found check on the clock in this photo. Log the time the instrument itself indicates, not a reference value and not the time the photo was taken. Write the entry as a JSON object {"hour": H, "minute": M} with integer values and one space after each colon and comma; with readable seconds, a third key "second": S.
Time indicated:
{"hour": 11, "minute": 51}
